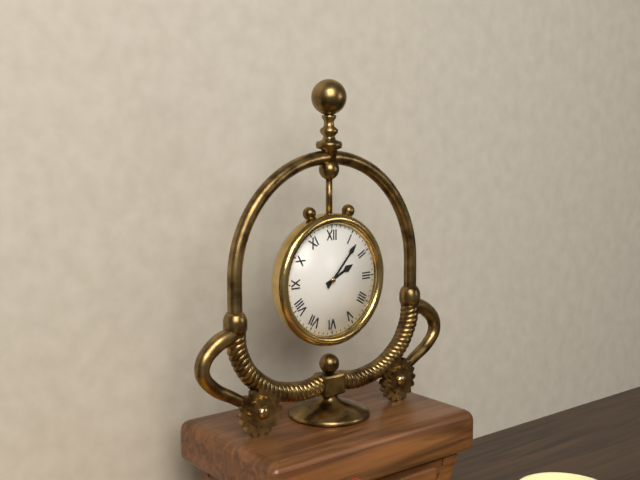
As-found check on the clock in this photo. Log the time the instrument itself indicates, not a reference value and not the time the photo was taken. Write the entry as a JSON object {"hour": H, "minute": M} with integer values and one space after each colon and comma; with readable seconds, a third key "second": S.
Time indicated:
{"hour": 2, "minute": 7}
